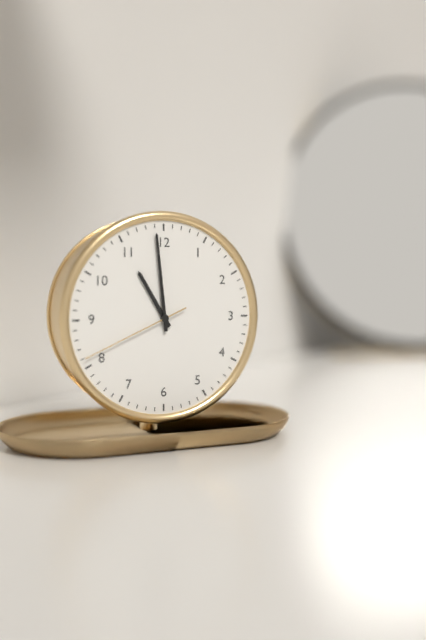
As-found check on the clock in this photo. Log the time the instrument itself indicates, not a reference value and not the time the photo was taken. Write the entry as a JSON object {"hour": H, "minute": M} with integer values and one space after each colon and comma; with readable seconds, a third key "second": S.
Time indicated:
{"hour": 10, "minute": 59, "second": 41}
